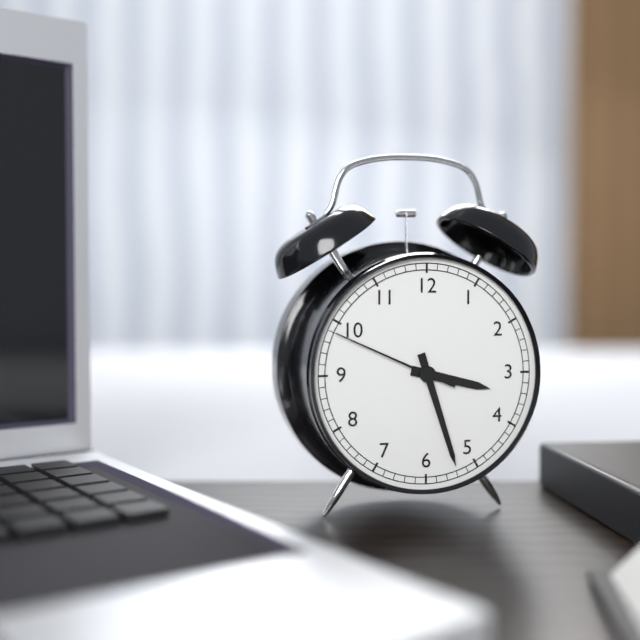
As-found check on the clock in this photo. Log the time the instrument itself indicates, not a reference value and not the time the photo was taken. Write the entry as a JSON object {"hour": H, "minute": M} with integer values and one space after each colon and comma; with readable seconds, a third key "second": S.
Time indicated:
{"hour": 3, "minute": 27, "second": 49}
